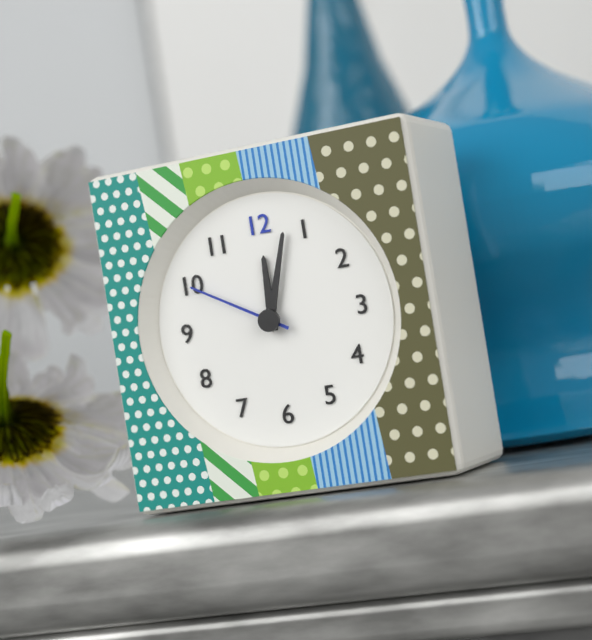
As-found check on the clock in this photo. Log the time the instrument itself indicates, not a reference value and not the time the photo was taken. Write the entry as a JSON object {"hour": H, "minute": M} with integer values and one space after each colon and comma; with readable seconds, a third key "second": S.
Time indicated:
{"hour": 12, "minute": 3, "second": 50}
